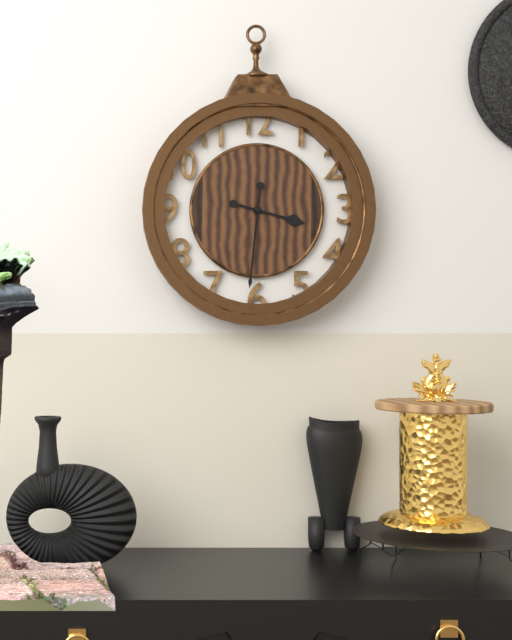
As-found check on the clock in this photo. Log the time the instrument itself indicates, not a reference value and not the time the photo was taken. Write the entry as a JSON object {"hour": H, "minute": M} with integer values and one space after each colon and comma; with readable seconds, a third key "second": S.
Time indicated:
{"hour": 3, "minute": 31}
